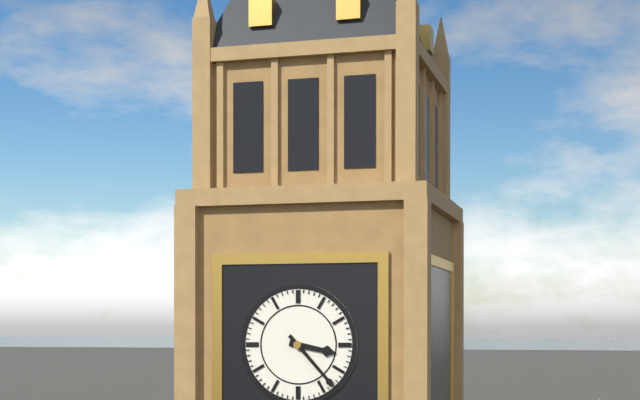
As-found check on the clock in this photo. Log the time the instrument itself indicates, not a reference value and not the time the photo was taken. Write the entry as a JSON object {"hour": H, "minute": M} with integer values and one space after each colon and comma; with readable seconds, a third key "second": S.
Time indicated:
{"hour": 3, "minute": 23}
